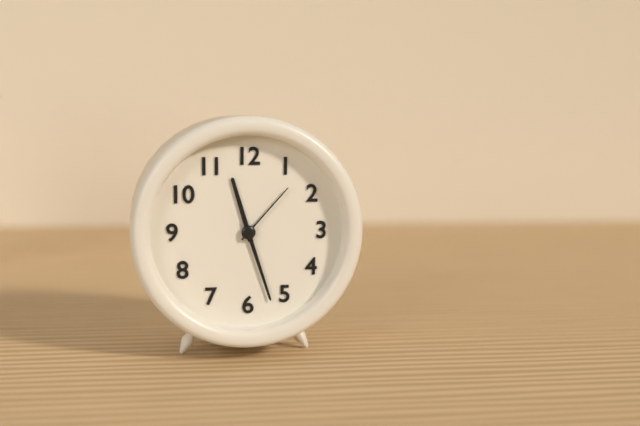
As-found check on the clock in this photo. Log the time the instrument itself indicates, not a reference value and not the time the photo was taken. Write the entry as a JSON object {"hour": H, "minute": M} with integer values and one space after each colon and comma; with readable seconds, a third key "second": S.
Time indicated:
{"hour": 11, "minute": 27, "second": 7}
